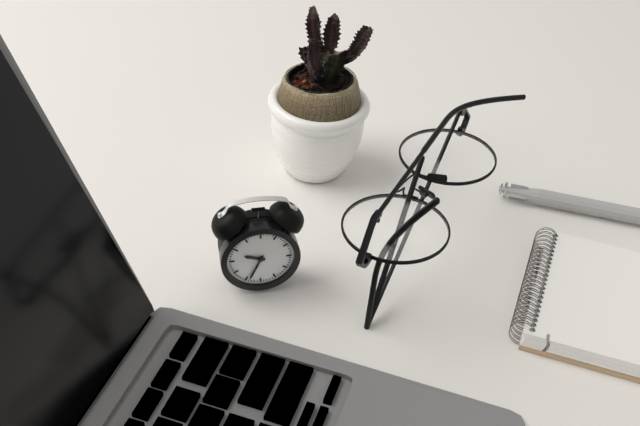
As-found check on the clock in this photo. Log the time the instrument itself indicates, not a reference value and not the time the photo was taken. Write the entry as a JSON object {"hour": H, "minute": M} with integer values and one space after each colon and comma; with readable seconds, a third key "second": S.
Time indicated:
{"hour": 9, "minute": 34}
